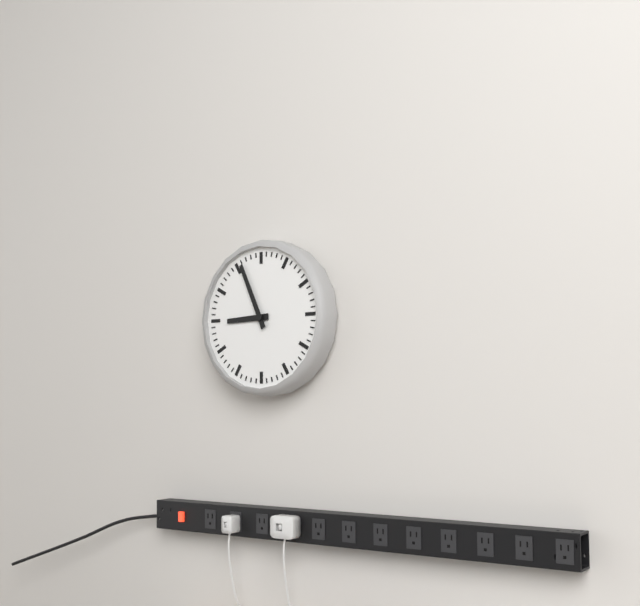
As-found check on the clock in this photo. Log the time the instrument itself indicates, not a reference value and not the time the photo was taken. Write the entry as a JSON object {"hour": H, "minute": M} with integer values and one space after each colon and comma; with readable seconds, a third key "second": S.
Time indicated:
{"hour": 8, "minute": 56}
